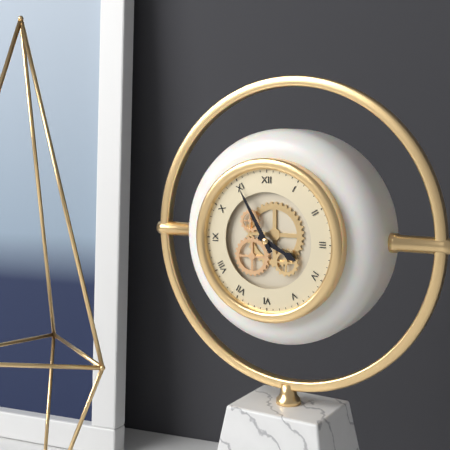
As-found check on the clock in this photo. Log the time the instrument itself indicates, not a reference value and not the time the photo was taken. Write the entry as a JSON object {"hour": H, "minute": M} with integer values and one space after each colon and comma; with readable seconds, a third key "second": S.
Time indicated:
{"hour": 3, "minute": 55}
